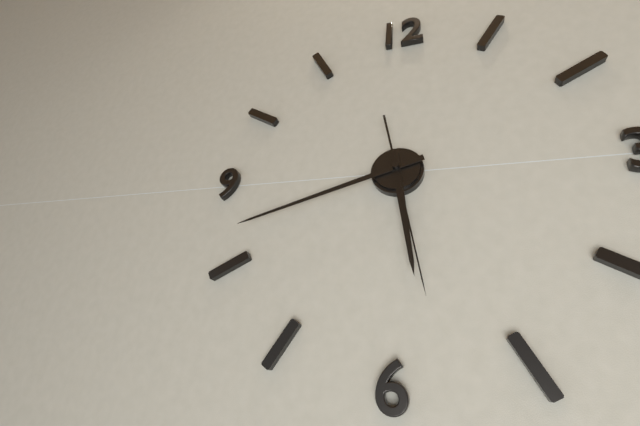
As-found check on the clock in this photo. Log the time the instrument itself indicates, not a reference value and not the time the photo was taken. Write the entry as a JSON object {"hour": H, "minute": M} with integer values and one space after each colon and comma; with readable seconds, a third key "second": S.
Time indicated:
{"hour": 5, "minute": 42, "second": 28}
